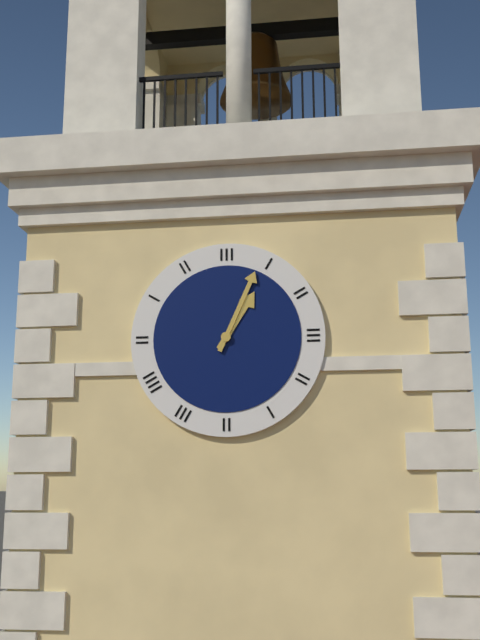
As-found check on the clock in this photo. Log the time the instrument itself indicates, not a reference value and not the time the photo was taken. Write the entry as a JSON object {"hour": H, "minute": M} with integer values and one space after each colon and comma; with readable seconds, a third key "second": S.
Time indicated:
{"hour": 1, "minute": 4}
